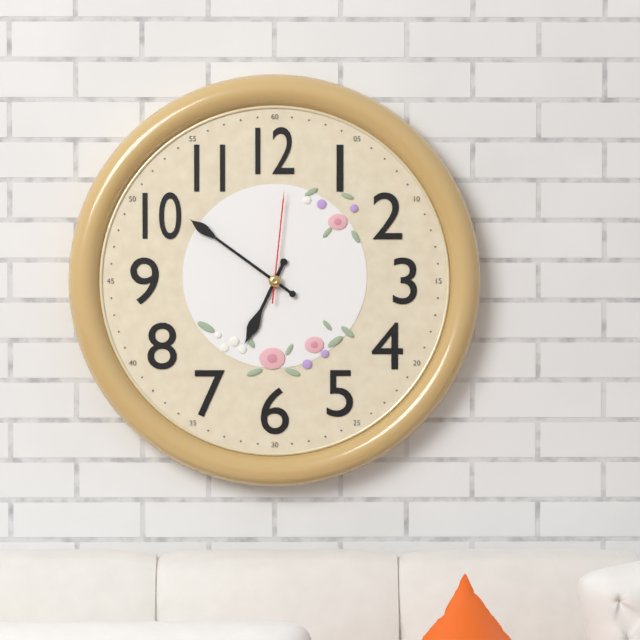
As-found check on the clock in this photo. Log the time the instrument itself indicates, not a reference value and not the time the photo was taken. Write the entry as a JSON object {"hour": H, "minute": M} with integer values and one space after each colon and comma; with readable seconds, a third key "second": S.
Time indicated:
{"hour": 6, "minute": 51, "second": 1}
